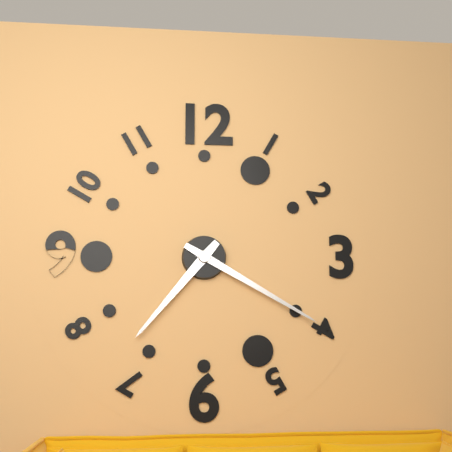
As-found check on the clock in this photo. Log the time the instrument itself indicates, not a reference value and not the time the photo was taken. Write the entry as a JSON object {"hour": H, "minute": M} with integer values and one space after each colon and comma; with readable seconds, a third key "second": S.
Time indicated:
{"hour": 7, "minute": 20}
